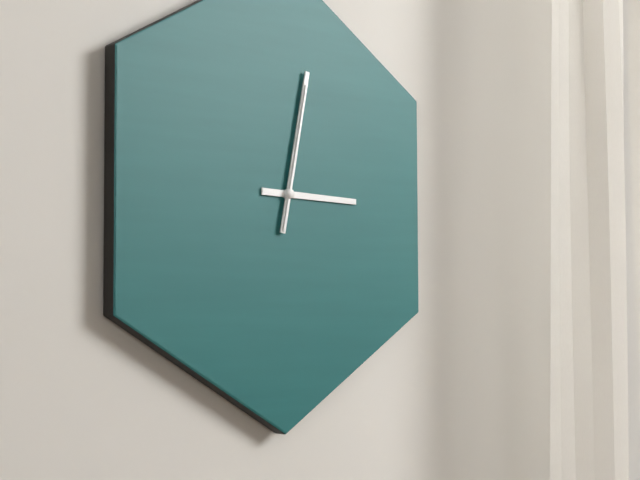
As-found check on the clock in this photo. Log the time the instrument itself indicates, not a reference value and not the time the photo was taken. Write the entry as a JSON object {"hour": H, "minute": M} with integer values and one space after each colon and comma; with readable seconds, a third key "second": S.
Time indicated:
{"hour": 3, "minute": 2, "second": 2}
